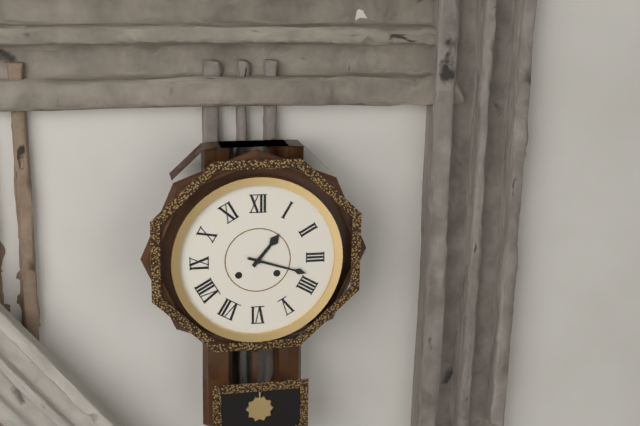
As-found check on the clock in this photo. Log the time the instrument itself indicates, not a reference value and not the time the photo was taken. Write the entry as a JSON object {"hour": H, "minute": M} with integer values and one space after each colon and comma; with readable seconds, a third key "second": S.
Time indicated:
{"hour": 1, "minute": 18}
